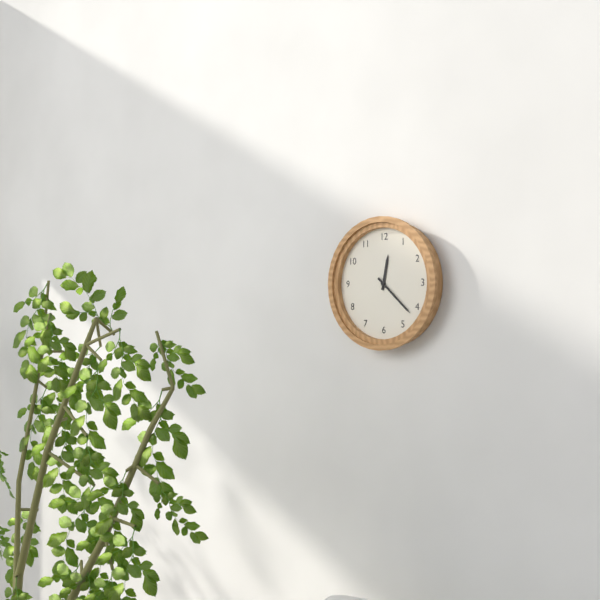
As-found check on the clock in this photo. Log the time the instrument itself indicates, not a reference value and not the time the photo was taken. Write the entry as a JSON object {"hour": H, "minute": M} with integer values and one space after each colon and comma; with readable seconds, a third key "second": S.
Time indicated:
{"hour": 12, "minute": 22}
